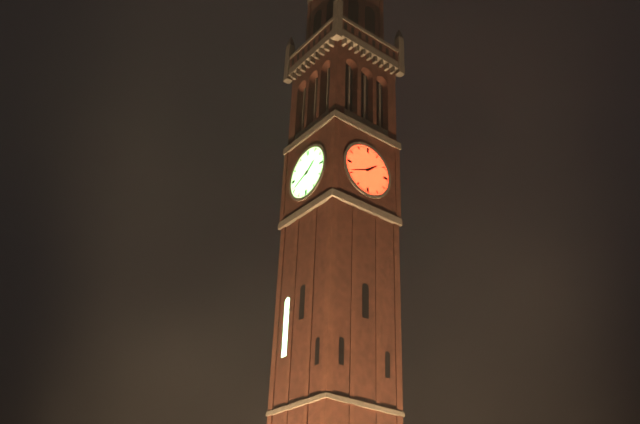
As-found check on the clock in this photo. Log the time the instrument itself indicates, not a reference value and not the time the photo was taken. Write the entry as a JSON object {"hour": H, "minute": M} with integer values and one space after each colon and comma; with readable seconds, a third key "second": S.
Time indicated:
{"hour": 1, "minute": 41}
